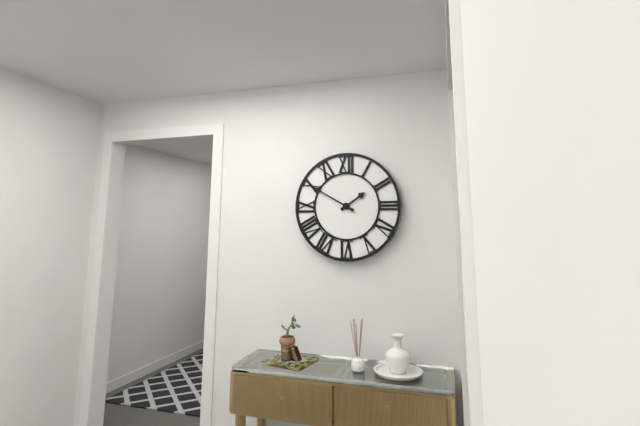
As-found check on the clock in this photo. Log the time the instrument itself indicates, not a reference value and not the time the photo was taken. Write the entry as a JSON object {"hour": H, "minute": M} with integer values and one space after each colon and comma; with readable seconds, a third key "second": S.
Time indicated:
{"hour": 1, "minute": 50}
